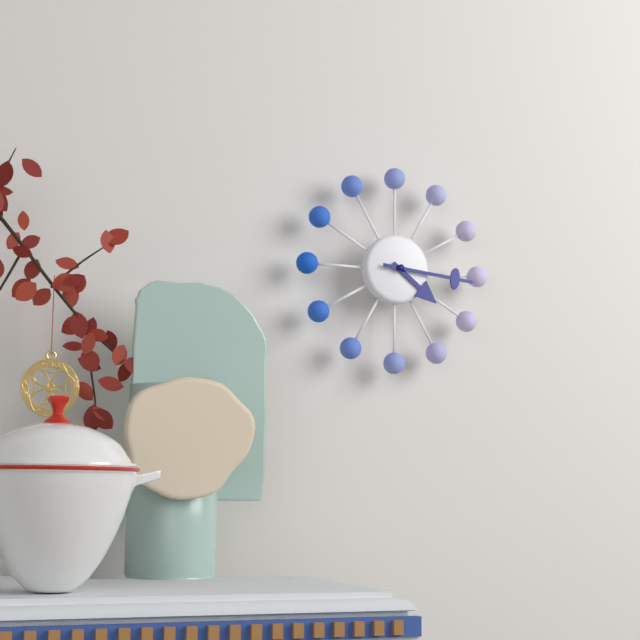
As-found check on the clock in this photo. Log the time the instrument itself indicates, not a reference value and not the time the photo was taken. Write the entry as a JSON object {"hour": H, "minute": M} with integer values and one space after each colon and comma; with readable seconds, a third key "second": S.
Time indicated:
{"hour": 4, "minute": 16}
